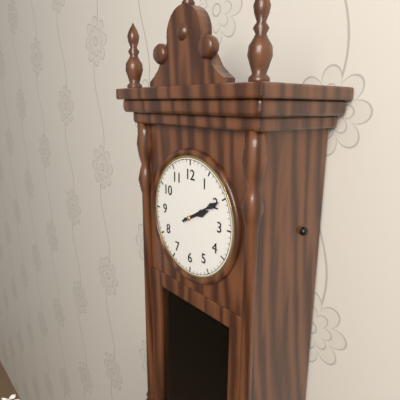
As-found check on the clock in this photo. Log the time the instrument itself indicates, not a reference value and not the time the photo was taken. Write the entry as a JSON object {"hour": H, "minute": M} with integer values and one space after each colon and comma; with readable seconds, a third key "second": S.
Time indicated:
{"hour": 2, "minute": 10}
